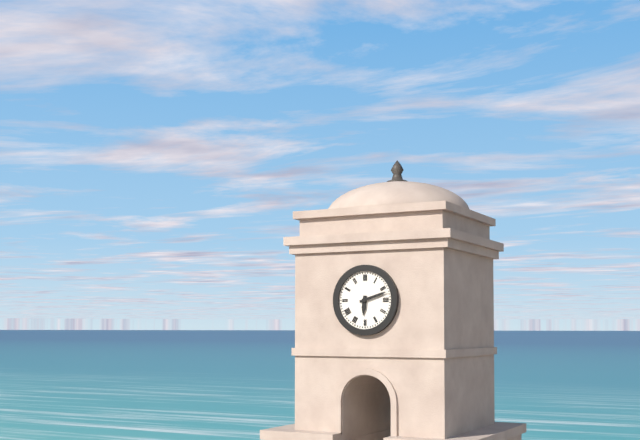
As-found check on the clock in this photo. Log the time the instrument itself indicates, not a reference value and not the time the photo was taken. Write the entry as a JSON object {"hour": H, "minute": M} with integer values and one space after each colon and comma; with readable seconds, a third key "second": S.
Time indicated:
{"hour": 6, "minute": 12}
